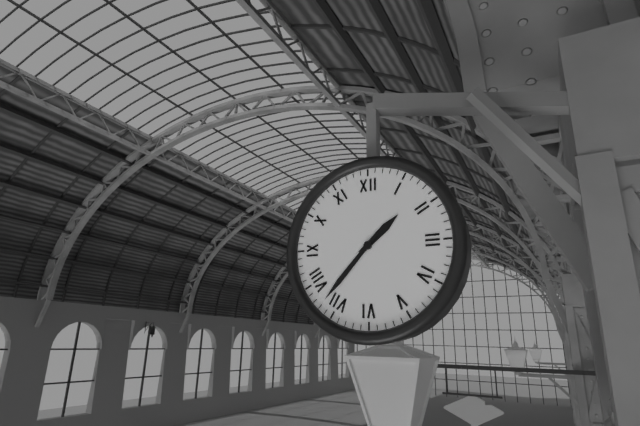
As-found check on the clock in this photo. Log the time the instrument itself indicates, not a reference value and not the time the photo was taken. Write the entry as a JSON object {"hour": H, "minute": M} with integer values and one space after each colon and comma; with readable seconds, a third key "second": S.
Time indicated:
{"hour": 1, "minute": 37}
